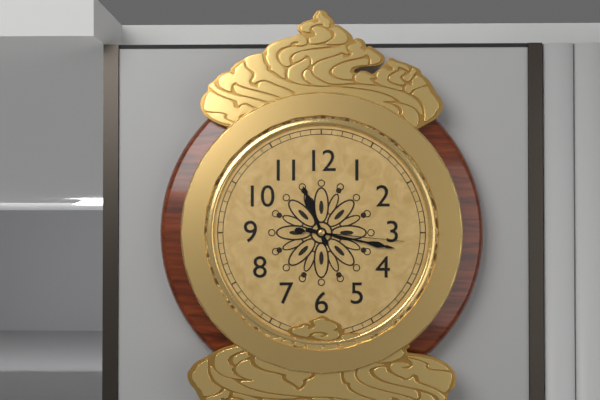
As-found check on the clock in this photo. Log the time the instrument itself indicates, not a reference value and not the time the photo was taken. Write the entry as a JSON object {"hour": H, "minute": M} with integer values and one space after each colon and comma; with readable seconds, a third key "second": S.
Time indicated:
{"hour": 11, "minute": 17, "second": 16}
